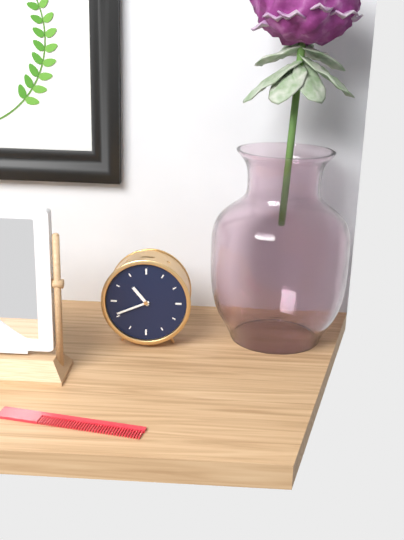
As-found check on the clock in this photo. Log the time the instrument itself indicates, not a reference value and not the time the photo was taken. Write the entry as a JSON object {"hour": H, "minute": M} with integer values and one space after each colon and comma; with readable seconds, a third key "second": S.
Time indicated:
{"hour": 10, "minute": 41}
